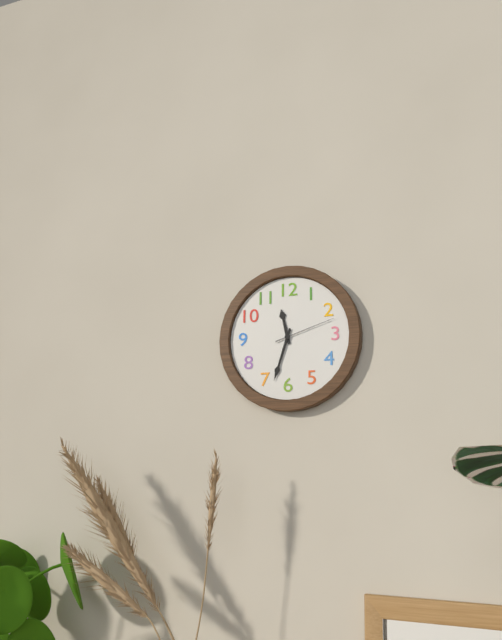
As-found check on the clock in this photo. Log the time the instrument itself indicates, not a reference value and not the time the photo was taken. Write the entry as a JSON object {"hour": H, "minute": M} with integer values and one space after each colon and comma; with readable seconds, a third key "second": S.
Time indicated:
{"hour": 11, "minute": 33, "second": 12}
